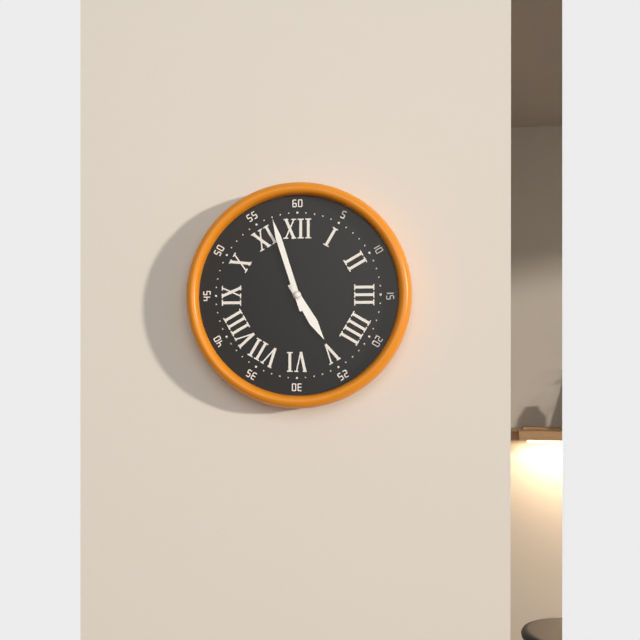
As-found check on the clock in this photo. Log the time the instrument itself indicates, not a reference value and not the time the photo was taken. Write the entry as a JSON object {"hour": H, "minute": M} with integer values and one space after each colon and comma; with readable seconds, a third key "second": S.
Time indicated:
{"hour": 4, "minute": 57}
